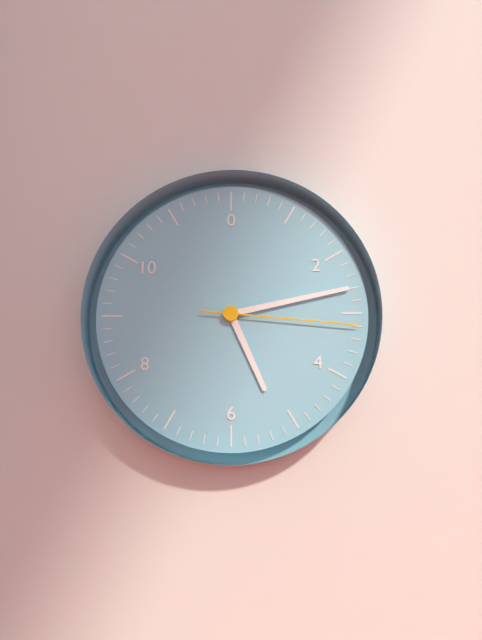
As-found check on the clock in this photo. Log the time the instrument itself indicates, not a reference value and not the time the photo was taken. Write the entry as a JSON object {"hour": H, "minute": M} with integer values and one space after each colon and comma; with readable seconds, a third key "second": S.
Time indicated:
{"hour": 5, "minute": 13, "second": 16}
